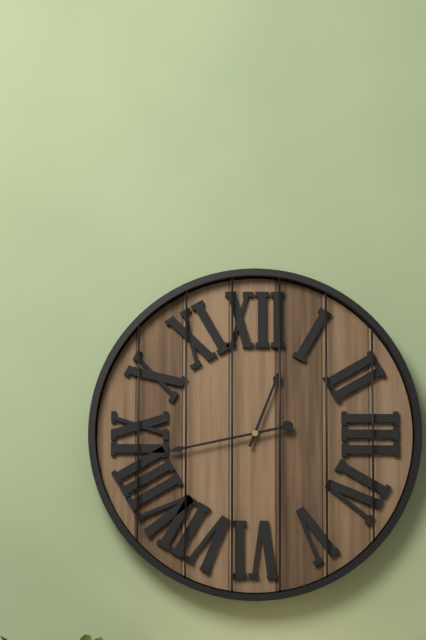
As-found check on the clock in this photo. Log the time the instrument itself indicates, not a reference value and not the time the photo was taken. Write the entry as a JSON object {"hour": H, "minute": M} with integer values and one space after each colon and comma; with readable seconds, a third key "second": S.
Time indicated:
{"hour": 12, "minute": 43}
